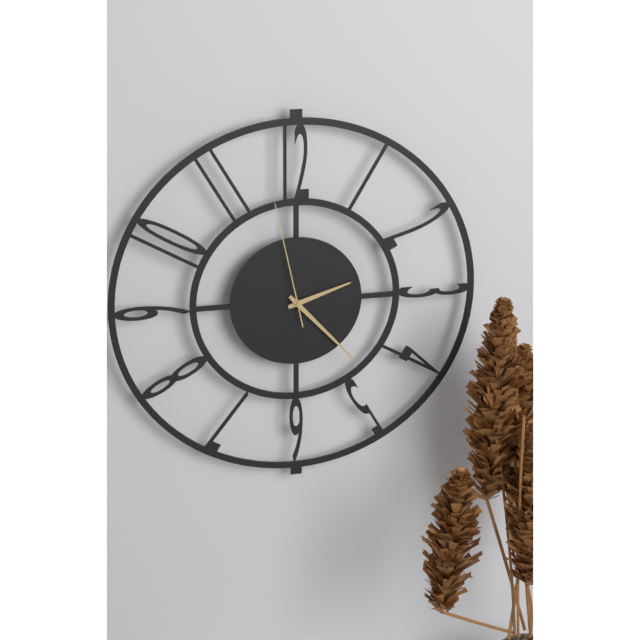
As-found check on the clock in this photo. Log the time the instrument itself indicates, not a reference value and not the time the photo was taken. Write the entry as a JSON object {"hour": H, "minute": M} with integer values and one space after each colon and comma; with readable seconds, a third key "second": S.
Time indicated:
{"hour": 2, "minute": 23, "second": 58}
